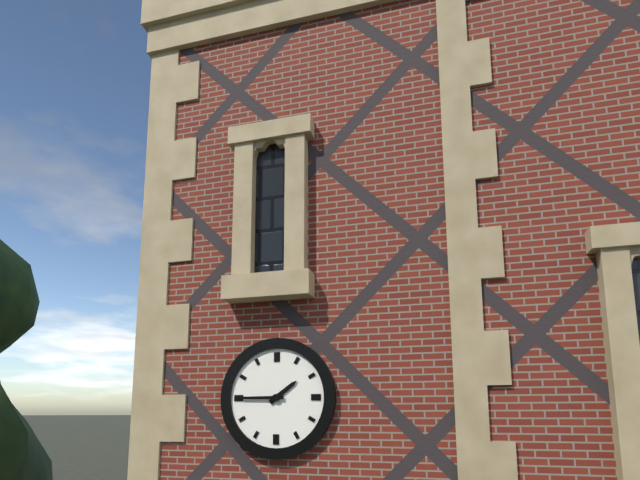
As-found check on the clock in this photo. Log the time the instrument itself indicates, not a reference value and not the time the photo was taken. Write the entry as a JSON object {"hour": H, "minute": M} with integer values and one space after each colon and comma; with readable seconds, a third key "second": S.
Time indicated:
{"hour": 1, "minute": 45}
